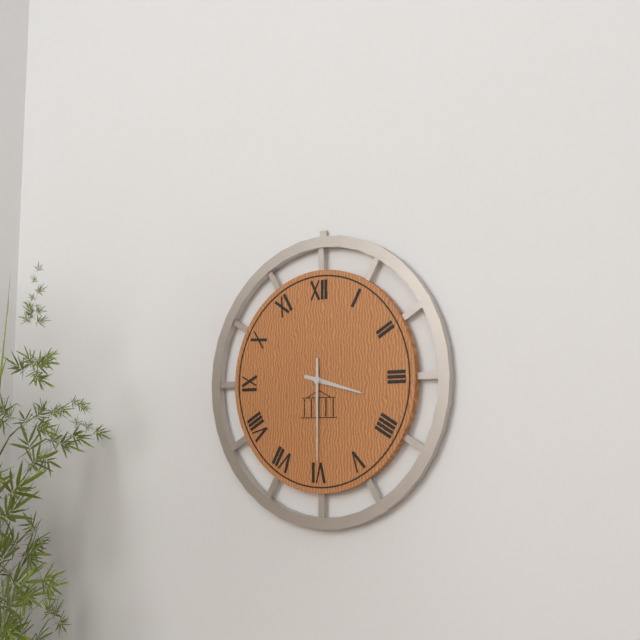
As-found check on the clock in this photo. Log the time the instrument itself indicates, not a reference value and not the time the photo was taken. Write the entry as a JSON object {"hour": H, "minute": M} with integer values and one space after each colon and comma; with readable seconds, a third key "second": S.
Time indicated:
{"hour": 3, "minute": 30}
